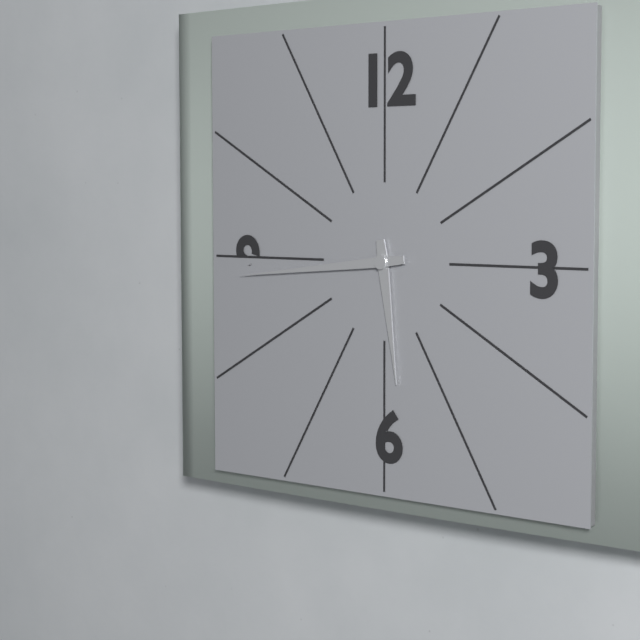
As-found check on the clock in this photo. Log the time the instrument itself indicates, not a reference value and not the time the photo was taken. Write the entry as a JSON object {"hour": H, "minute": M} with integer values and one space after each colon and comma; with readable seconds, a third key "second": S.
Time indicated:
{"hour": 5, "minute": 44}
